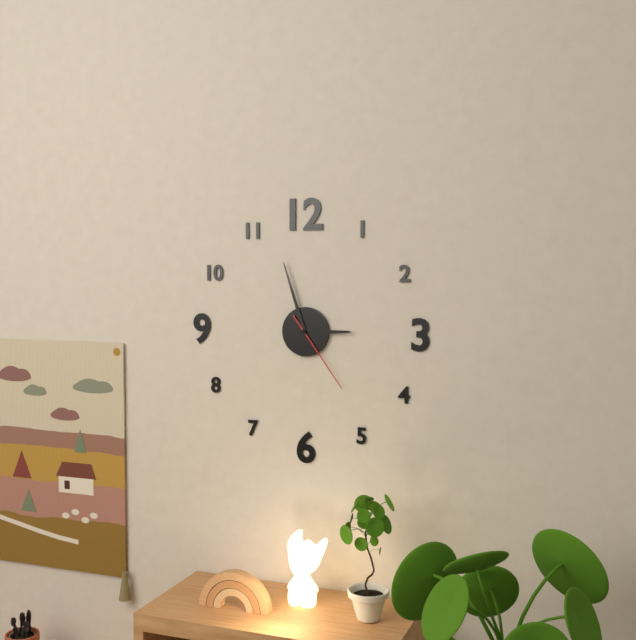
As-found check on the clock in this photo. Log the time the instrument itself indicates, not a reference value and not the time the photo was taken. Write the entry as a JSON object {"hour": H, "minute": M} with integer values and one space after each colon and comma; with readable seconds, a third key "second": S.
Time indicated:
{"hour": 2, "minute": 57, "second": 24}
